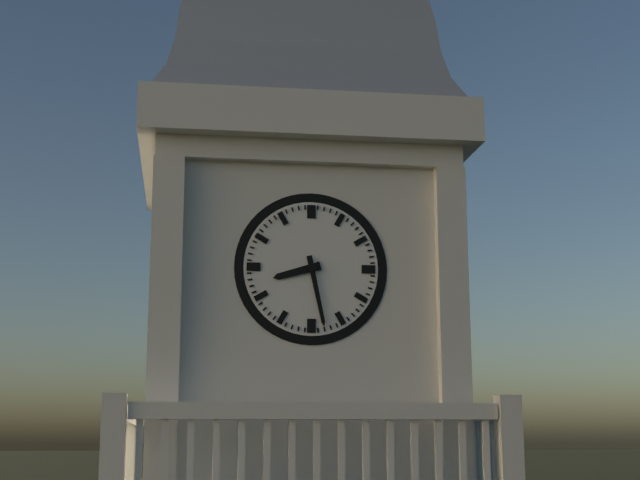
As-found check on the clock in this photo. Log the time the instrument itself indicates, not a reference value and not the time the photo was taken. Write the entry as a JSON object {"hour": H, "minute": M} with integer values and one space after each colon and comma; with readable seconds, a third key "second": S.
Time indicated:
{"hour": 8, "minute": 28}
